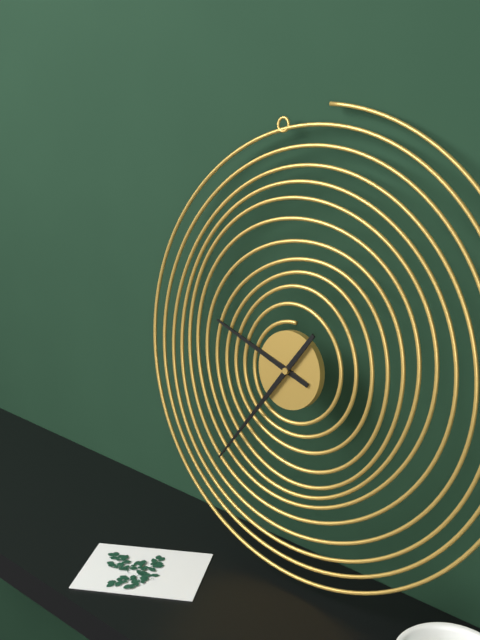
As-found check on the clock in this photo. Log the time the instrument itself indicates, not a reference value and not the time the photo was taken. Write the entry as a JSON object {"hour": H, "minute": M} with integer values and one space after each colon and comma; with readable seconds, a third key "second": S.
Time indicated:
{"hour": 9, "minute": 36}
